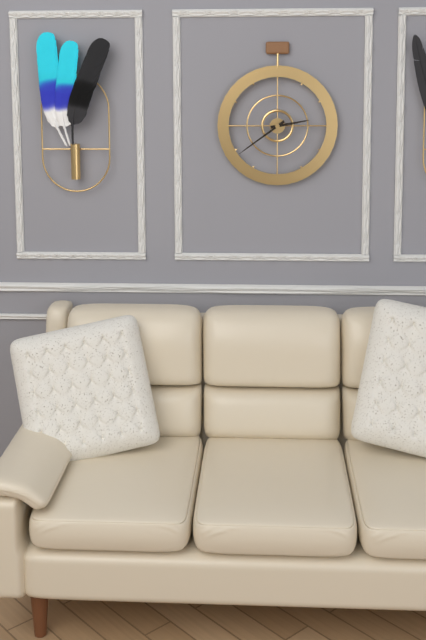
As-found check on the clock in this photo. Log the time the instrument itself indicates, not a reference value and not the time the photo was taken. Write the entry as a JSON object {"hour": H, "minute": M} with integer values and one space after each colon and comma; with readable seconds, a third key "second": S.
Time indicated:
{"hour": 2, "minute": 39}
